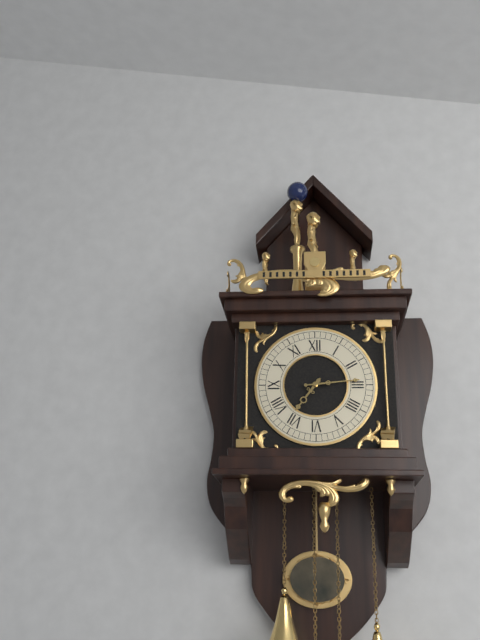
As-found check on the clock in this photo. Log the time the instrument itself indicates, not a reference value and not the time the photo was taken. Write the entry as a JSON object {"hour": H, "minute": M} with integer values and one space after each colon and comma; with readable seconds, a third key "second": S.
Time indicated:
{"hour": 7, "minute": 14}
